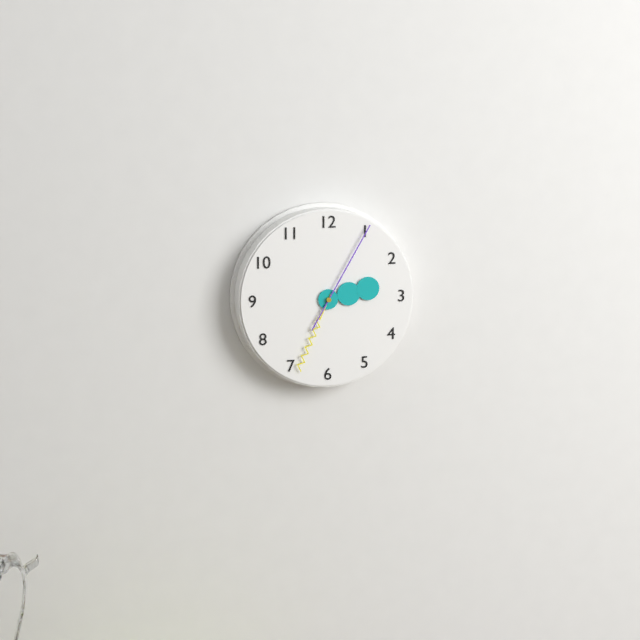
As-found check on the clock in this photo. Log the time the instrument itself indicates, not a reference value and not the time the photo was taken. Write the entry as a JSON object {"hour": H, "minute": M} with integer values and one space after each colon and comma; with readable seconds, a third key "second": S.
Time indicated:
{"hour": 2, "minute": 34, "second": 5}
